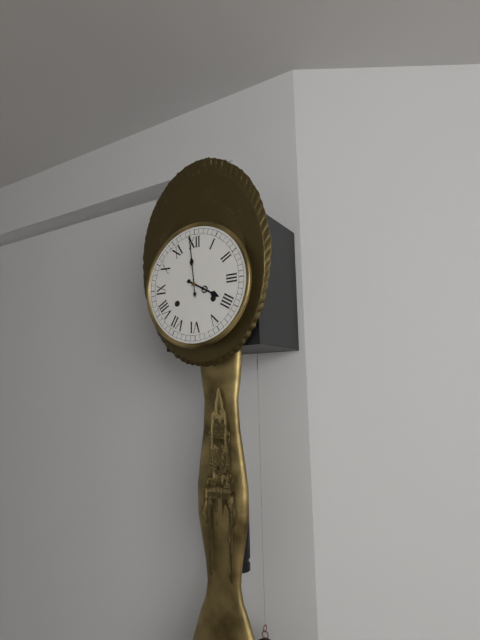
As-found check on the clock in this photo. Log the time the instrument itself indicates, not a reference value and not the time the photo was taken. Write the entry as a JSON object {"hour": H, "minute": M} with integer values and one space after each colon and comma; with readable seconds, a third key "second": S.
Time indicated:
{"hour": 3, "minute": 59}
